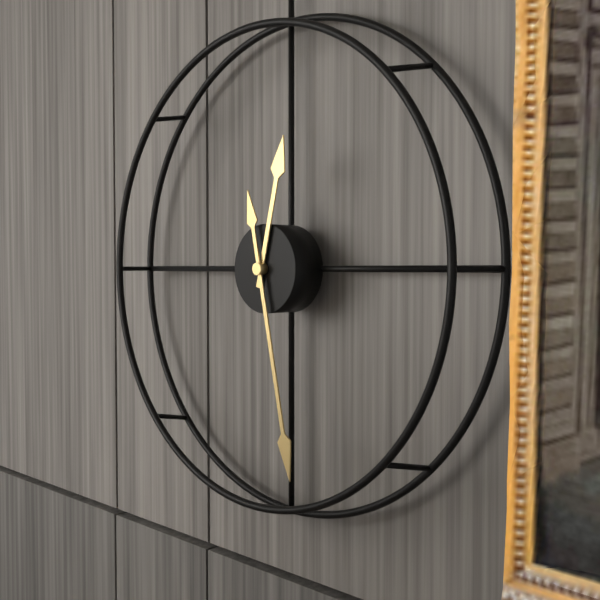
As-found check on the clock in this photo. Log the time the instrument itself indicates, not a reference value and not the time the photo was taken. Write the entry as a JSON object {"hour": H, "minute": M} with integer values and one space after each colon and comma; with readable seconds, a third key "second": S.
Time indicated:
{"hour": 12, "minute": 28}
